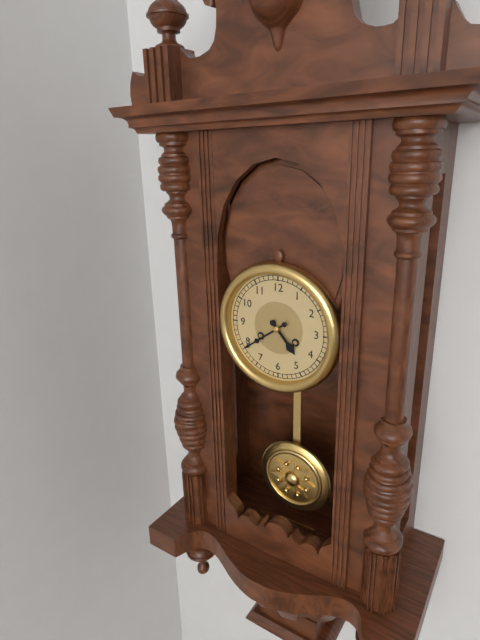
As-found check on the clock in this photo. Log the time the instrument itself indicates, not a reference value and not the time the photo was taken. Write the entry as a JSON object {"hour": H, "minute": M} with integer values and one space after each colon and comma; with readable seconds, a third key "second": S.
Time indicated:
{"hour": 4, "minute": 39}
